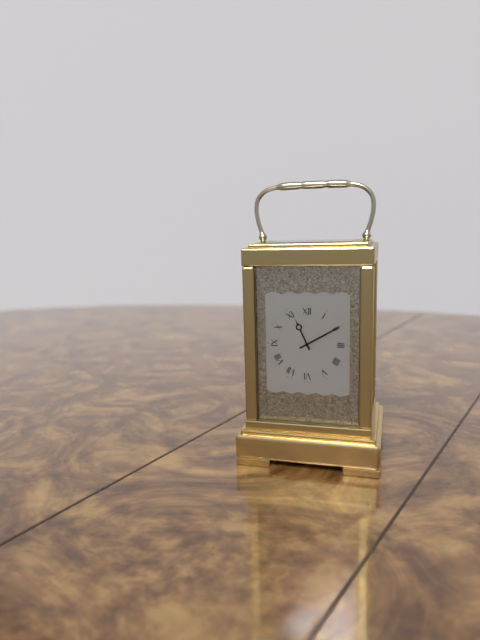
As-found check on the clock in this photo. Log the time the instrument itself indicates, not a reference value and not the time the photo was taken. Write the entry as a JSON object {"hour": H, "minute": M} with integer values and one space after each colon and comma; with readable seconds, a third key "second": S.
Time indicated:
{"hour": 11, "minute": 10}
